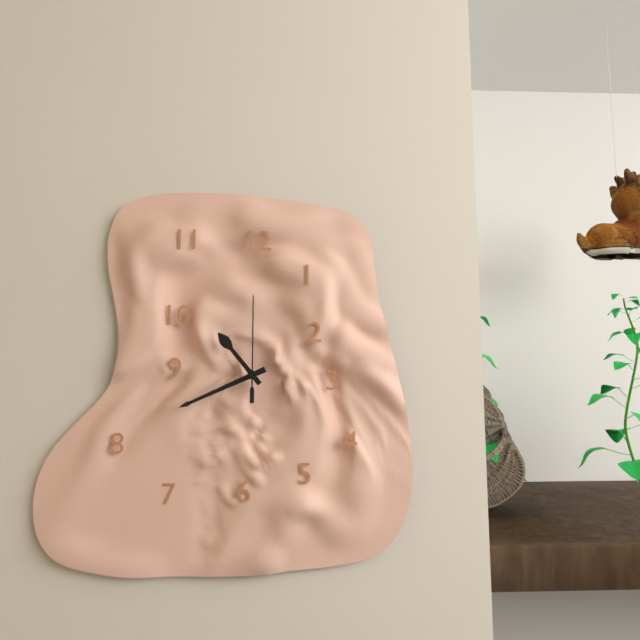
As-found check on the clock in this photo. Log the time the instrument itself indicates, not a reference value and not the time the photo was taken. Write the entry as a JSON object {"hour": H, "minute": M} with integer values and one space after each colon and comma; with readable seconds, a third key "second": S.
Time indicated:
{"hour": 10, "minute": 41, "second": 0}
